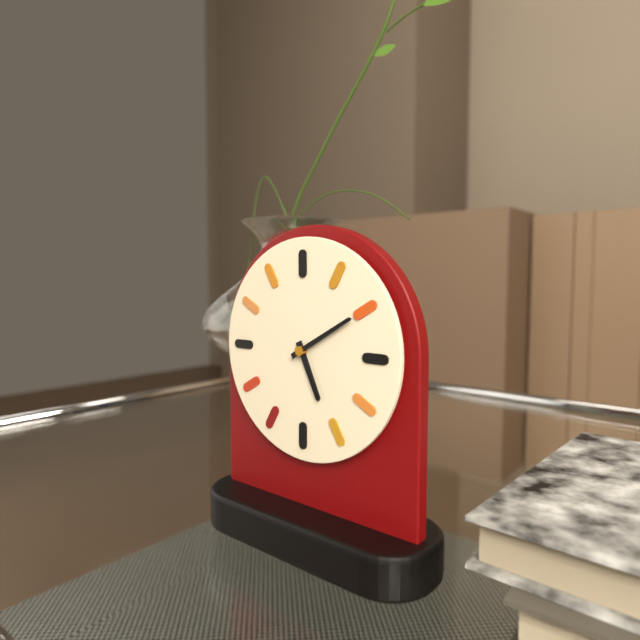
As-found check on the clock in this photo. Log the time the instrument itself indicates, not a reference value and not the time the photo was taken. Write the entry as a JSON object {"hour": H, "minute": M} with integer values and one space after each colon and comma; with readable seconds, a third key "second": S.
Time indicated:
{"hour": 5, "minute": 10}
